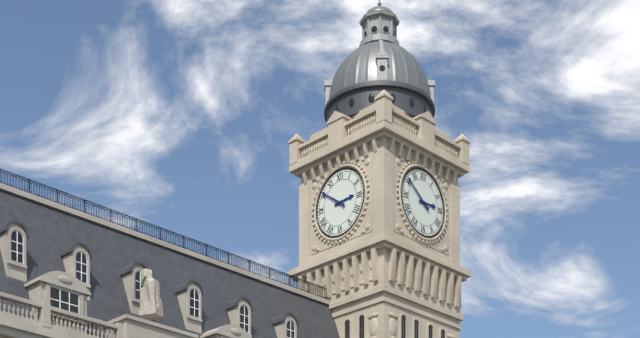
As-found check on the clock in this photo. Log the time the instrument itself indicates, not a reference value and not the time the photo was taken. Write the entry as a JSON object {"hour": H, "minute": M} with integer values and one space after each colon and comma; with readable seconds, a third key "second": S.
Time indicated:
{"hour": 2, "minute": 51}
